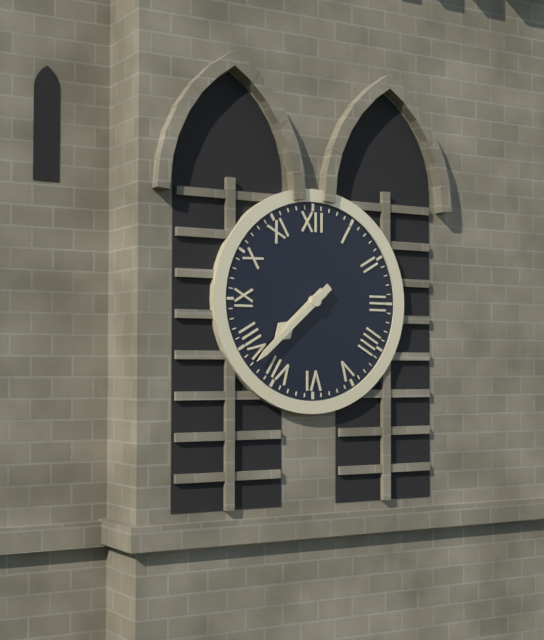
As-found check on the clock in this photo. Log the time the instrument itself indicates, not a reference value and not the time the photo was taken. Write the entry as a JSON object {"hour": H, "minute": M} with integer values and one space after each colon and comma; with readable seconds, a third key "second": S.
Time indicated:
{"hour": 7, "minute": 38}
